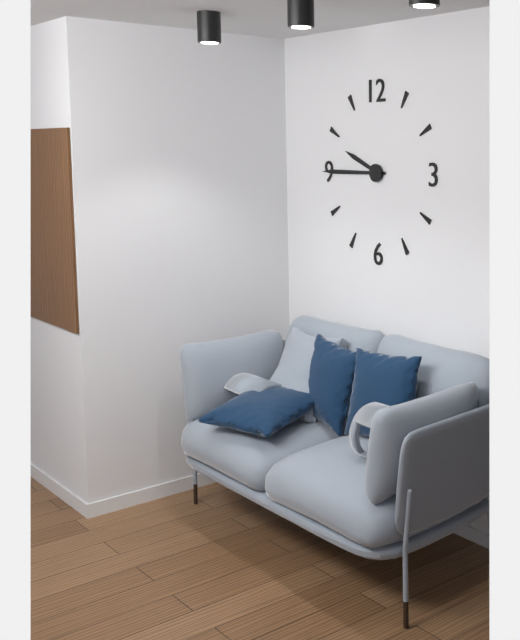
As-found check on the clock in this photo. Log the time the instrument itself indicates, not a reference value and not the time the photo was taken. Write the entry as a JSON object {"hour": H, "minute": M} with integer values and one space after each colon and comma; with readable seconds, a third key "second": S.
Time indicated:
{"hour": 9, "minute": 45}
